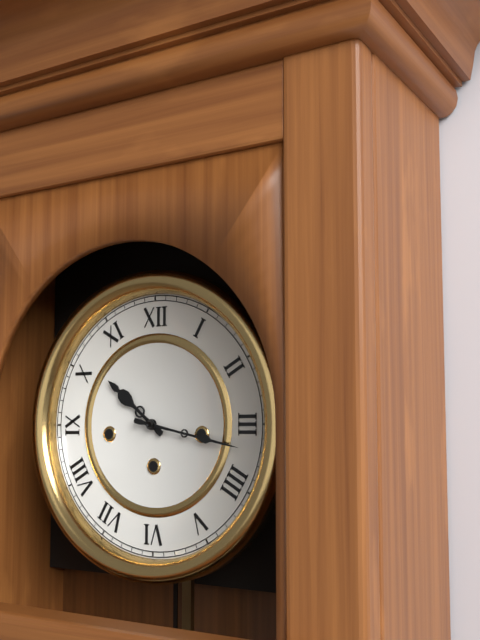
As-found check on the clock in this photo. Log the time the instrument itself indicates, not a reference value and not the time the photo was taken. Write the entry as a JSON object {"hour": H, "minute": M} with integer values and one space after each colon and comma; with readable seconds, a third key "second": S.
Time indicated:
{"hour": 10, "minute": 17}
